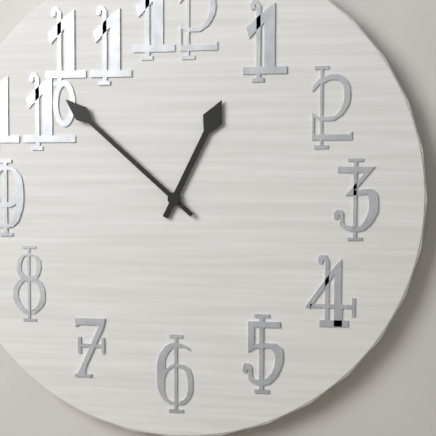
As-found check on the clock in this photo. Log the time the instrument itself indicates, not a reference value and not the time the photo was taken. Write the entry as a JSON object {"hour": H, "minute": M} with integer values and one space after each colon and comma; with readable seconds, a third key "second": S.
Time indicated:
{"hour": 12, "minute": 52}
